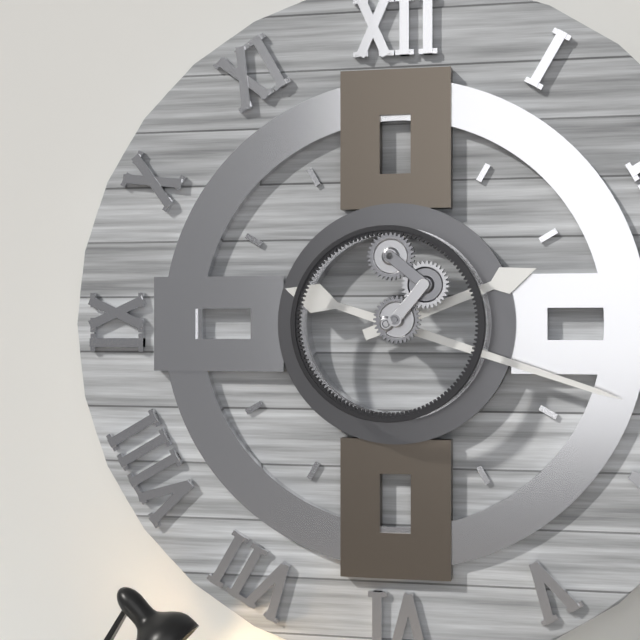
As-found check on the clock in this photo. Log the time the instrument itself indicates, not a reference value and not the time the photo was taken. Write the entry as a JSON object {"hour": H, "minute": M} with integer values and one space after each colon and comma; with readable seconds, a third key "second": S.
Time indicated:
{"hour": 2, "minute": 18}
